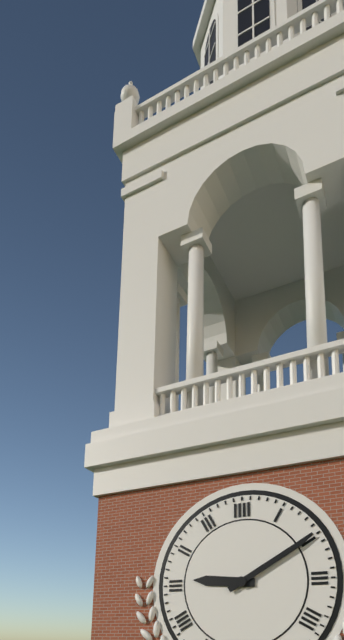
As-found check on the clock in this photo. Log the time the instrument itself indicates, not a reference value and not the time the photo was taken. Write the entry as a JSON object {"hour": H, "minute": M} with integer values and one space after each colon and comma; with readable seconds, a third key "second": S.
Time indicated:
{"hour": 9, "minute": 10}
